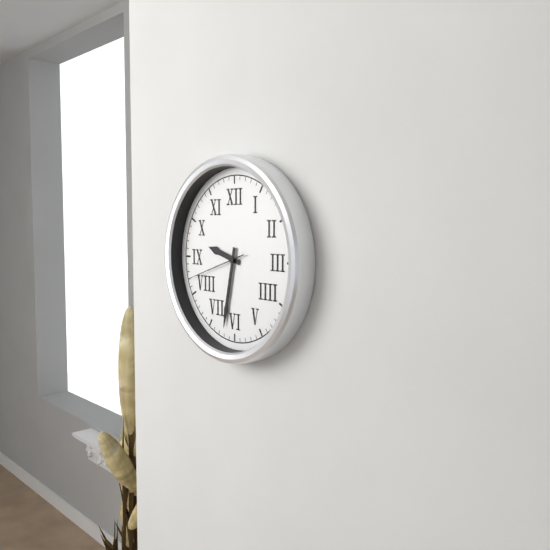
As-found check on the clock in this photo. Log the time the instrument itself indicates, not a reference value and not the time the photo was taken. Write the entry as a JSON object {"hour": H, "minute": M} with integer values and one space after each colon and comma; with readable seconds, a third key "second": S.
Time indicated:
{"hour": 9, "minute": 32, "second": 42}
